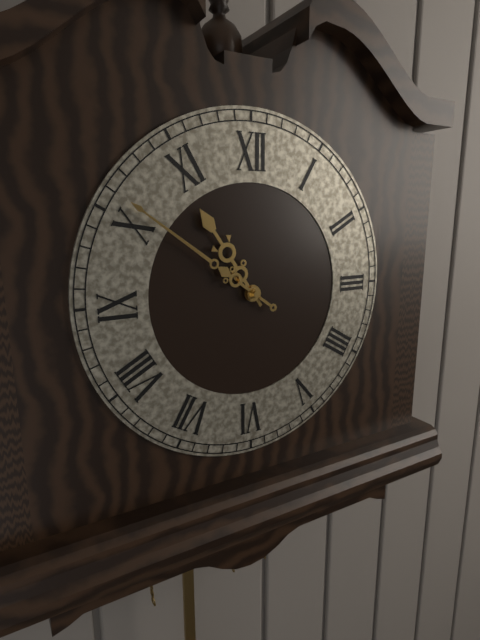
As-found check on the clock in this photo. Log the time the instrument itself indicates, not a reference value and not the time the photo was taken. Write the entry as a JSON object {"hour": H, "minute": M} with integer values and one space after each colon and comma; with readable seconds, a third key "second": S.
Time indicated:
{"hour": 10, "minute": 51}
